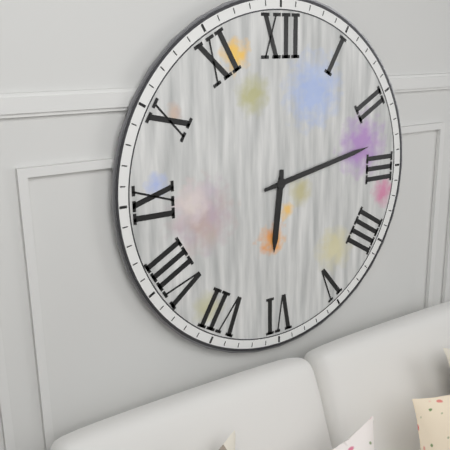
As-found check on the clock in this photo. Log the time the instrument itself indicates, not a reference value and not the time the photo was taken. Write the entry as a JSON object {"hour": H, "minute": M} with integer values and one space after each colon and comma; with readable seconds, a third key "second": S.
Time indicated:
{"hour": 6, "minute": 13}
